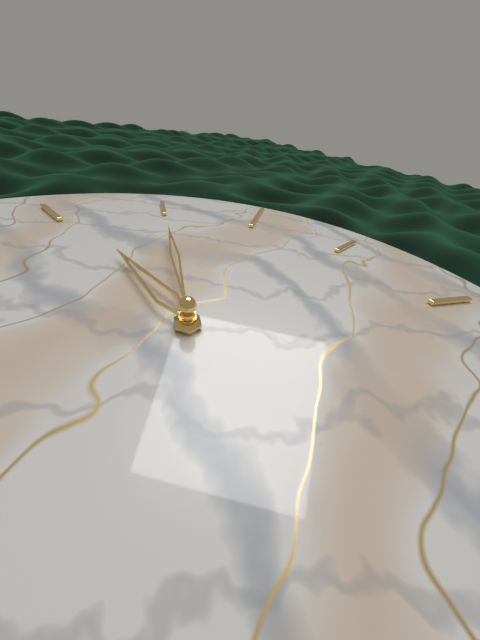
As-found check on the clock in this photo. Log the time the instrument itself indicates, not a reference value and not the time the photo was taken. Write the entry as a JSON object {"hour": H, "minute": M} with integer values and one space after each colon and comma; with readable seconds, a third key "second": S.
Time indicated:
{"hour": 1, "minute": 10}
